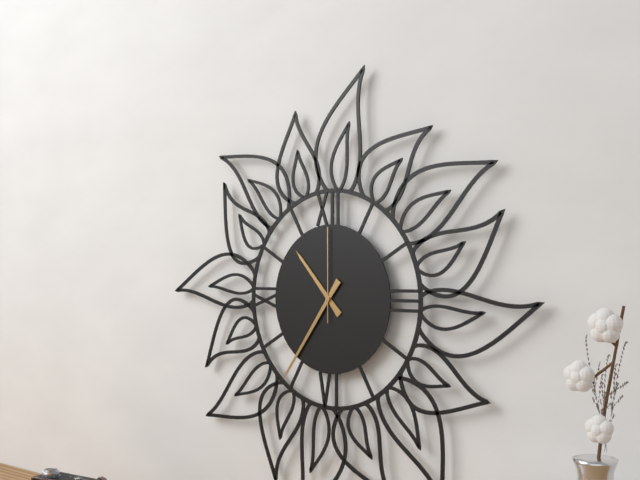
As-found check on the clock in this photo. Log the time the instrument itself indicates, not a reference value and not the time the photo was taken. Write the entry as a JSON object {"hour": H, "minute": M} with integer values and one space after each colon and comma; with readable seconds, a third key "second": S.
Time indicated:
{"hour": 10, "minute": 36, "second": 0}
